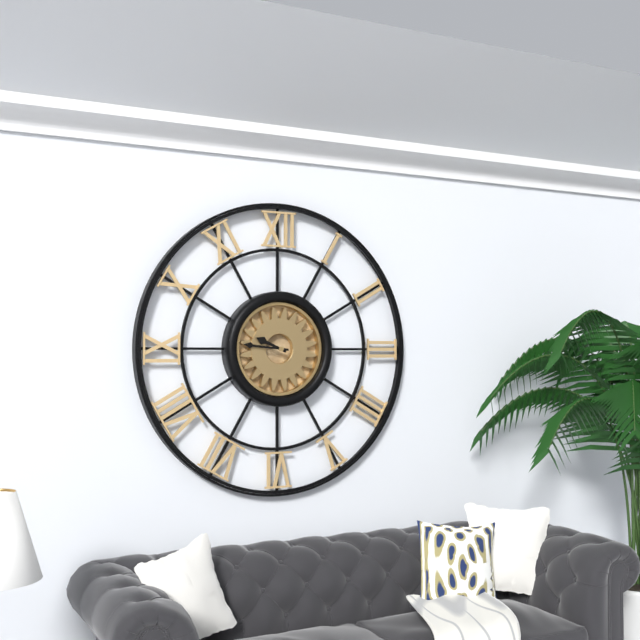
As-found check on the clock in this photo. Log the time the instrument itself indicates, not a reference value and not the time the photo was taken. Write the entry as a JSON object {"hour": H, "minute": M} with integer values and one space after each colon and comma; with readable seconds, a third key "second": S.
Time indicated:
{"hour": 9, "minute": 46}
